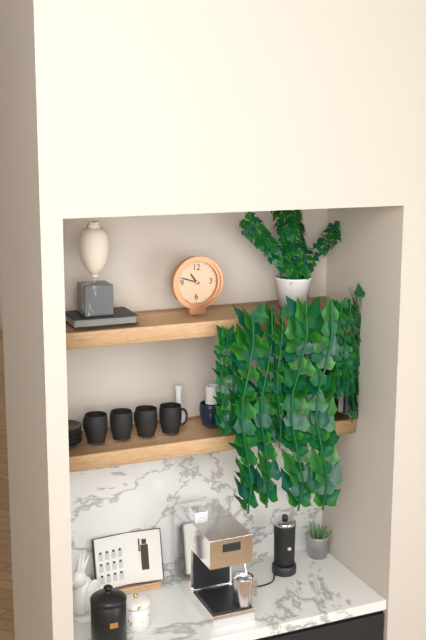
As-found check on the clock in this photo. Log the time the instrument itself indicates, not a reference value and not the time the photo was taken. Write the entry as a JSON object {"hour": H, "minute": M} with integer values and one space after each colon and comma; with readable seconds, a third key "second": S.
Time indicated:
{"hour": 10, "minute": 48}
